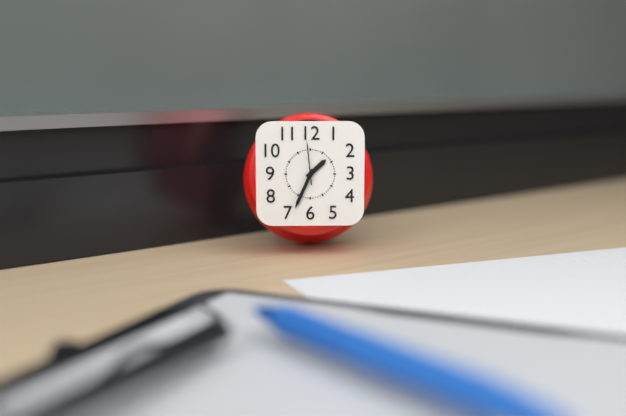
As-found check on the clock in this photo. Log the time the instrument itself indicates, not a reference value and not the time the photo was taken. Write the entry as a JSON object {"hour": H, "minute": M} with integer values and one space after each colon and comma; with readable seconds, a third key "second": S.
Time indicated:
{"hour": 1, "minute": 34}
